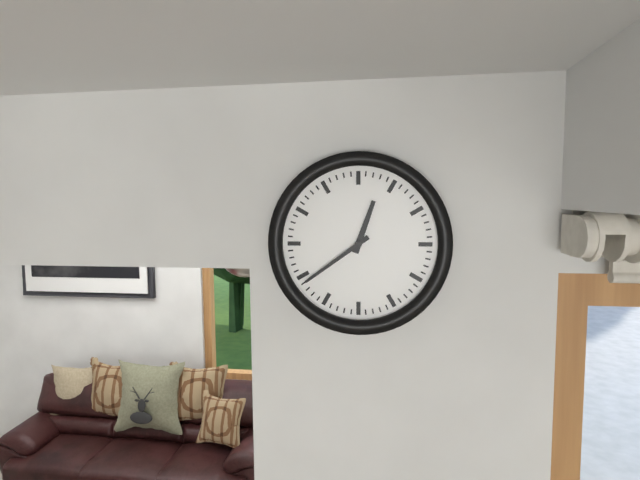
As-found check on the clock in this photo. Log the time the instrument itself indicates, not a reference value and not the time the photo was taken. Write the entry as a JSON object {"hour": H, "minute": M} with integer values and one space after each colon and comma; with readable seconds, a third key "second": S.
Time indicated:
{"hour": 12, "minute": 39}
